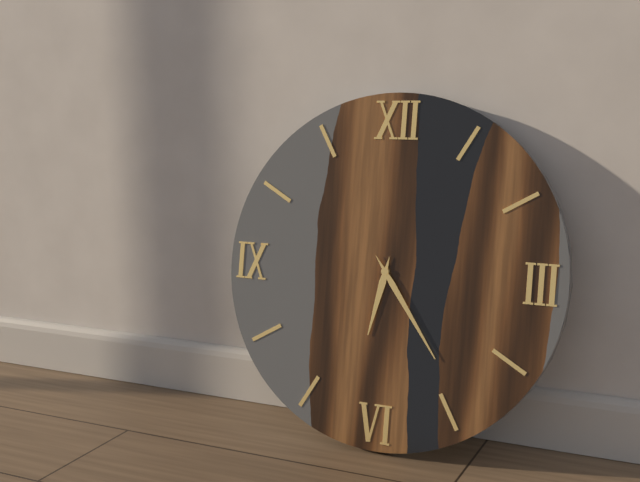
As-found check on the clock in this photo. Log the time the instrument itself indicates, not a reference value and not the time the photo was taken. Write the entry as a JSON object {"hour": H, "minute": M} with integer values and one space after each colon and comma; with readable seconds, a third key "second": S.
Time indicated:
{"hour": 6, "minute": 24}
